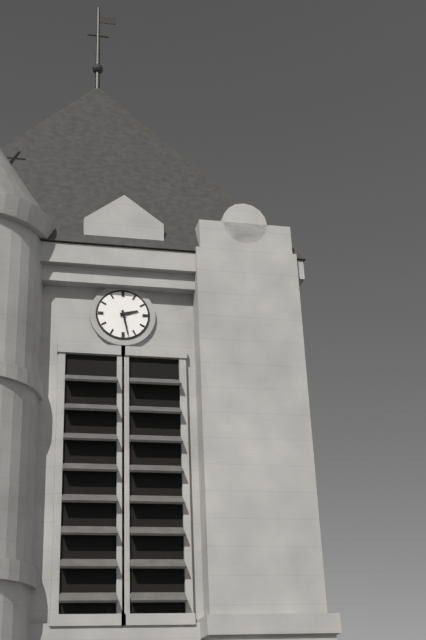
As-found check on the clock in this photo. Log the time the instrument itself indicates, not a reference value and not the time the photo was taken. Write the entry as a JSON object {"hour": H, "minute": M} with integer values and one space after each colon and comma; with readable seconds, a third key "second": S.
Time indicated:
{"hour": 2, "minute": 28}
